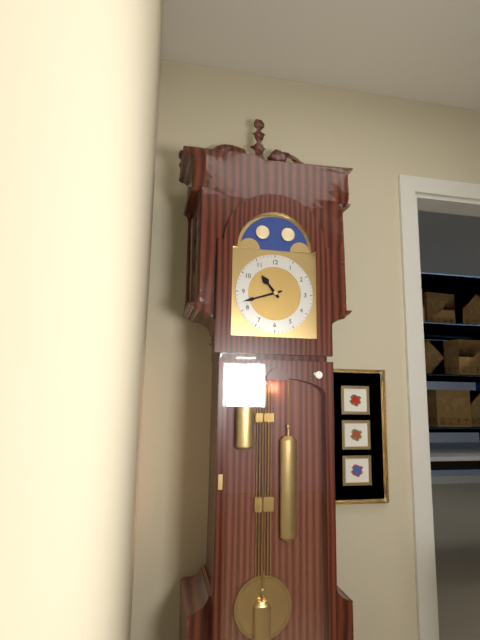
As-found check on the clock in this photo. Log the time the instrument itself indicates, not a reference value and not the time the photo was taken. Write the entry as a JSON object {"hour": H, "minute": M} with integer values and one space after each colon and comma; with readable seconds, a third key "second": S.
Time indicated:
{"hour": 10, "minute": 42}
